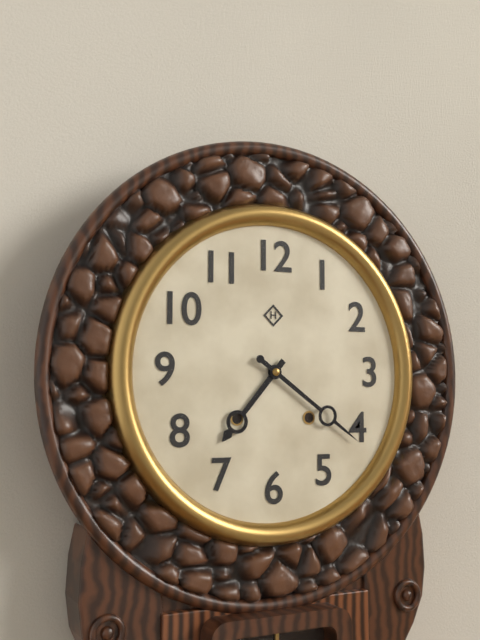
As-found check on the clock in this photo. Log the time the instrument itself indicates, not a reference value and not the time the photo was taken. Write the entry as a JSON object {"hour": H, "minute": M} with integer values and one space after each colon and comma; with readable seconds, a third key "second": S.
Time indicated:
{"hour": 7, "minute": 21}
